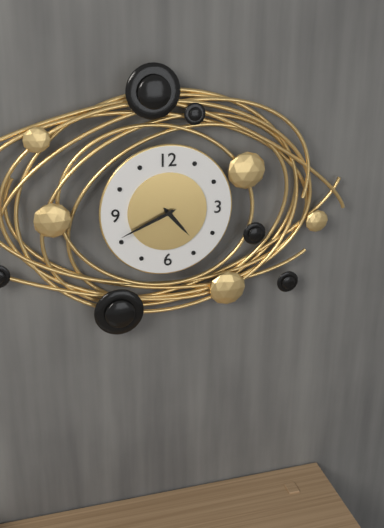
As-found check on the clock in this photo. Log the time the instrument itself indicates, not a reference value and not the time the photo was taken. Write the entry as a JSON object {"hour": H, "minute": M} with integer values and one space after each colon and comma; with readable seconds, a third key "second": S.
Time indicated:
{"hour": 4, "minute": 41}
